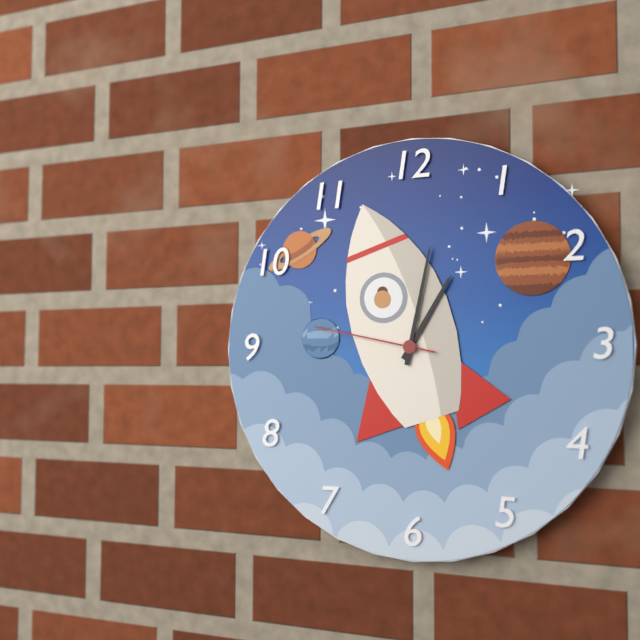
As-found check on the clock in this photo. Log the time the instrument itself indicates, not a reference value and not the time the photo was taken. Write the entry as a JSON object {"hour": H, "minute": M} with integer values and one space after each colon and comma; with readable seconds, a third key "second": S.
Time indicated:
{"hour": 1, "minute": 2, "second": 47}
